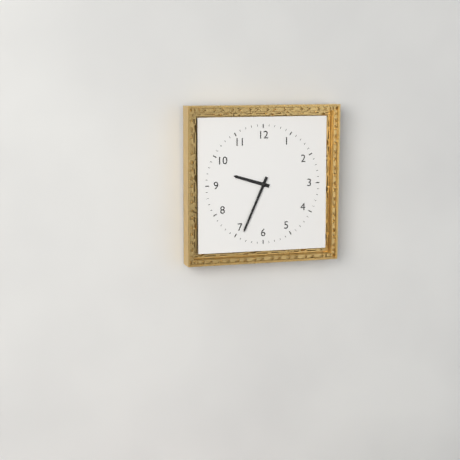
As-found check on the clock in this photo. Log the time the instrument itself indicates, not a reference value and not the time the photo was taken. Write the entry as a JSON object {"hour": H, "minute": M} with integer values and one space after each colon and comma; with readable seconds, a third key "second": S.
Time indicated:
{"hour": 9, "minute": 34}
